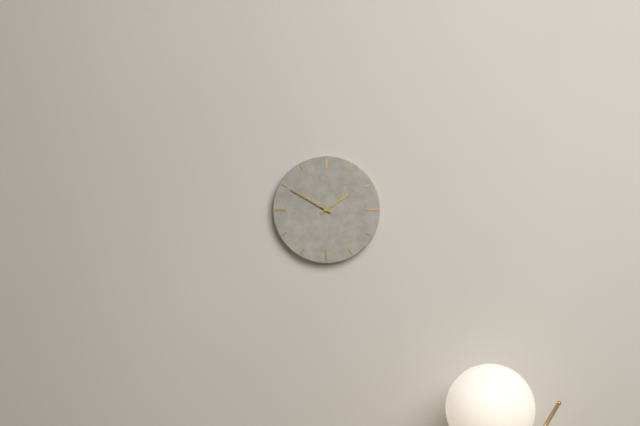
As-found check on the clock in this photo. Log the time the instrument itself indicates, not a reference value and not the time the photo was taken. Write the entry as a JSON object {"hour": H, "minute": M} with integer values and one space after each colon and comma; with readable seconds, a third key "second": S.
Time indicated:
{"hour": 1, "minute": 50}
